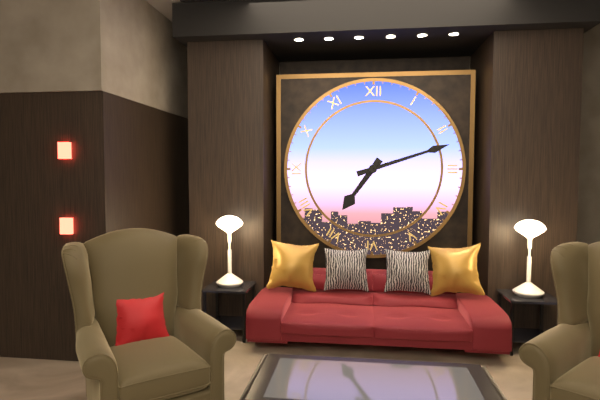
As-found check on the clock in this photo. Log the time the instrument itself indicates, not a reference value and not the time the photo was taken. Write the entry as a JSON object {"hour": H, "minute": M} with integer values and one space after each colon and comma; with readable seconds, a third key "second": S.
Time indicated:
{"hour": 7, "minute": 12}
